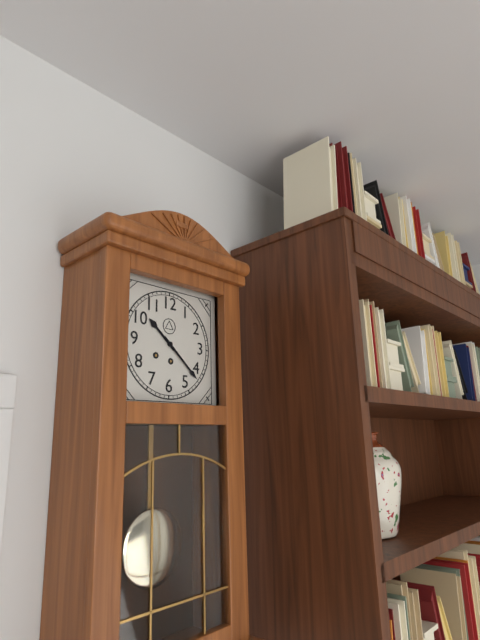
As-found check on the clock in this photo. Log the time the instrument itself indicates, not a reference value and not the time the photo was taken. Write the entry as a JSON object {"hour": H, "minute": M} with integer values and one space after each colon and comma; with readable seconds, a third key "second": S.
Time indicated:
{"hour": 10, "minute": 22}
